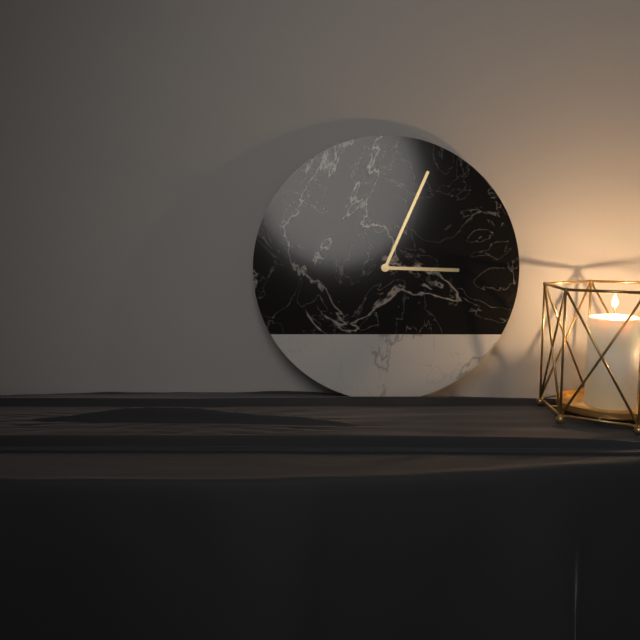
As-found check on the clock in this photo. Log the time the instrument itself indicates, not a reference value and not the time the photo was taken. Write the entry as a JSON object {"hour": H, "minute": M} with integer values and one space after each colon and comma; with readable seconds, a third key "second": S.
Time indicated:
{"hour": 3, "minute": 4}
